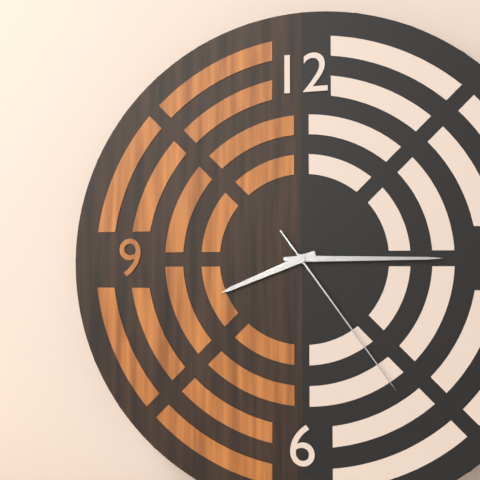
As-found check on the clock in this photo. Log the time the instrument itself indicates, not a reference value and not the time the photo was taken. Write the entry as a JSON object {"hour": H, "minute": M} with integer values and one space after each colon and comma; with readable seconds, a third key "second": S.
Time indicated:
{"hour": 8, "minute": 15, "second": 24}
